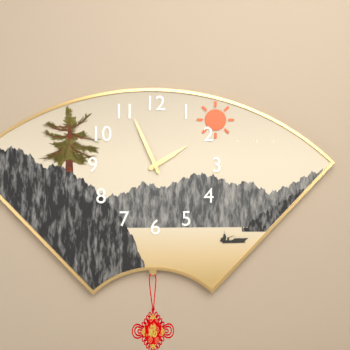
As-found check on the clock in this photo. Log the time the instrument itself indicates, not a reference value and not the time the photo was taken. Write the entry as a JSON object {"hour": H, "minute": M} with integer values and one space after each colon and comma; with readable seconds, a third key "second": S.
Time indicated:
{"hour": 1, "minute": 56}
